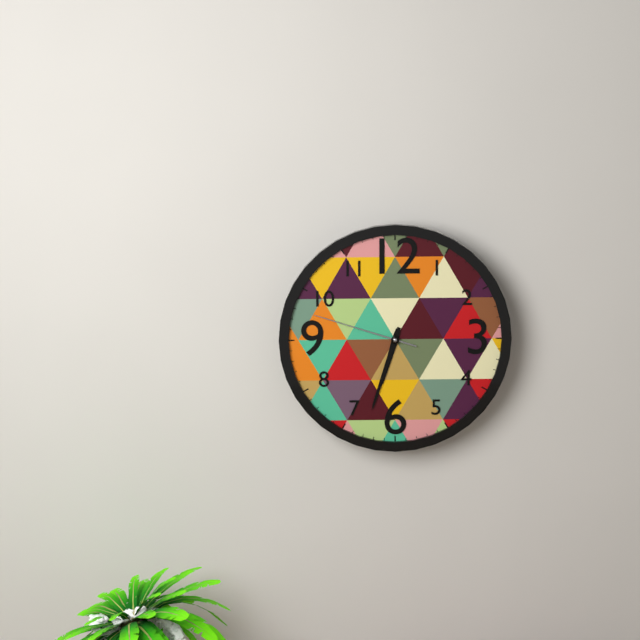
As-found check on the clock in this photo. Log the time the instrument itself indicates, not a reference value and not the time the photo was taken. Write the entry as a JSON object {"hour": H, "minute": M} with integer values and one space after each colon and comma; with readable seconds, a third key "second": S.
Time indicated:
{"hour": 6, "minute": 33, "second": 48}
